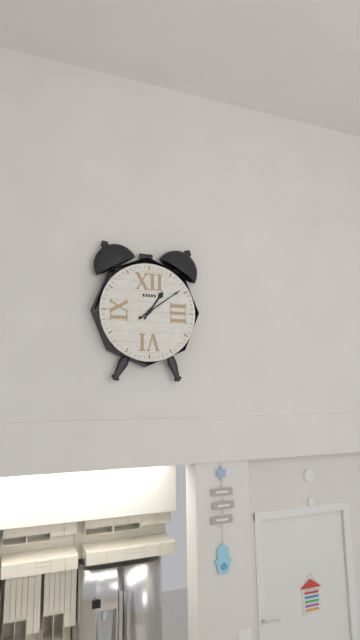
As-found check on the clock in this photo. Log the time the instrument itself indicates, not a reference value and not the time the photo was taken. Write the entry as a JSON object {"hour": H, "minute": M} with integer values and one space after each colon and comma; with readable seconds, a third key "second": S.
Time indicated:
{"hour": 1, "minute": 9}
